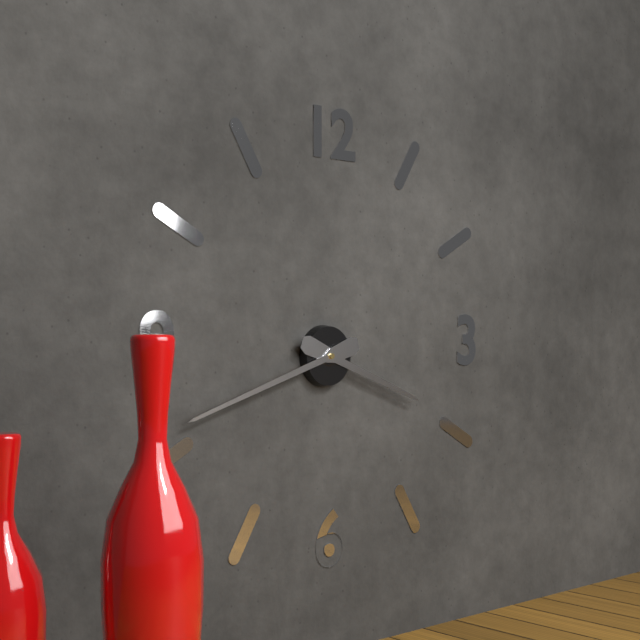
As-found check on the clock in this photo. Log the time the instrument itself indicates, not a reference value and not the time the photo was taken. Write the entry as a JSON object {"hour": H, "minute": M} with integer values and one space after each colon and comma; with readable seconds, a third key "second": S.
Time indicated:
{"hour": 3, "minute": 42}
